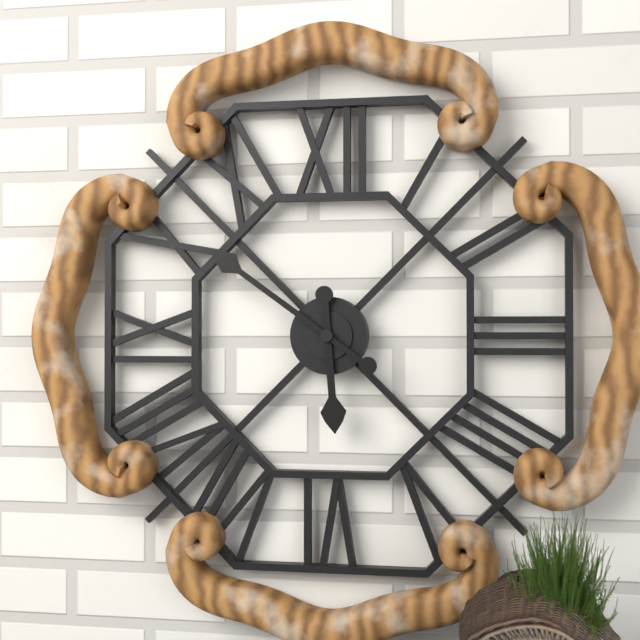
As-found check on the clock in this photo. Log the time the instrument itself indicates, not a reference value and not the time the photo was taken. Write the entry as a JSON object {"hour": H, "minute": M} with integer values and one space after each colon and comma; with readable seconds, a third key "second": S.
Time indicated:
{"hour": 5, "minute": 51}
